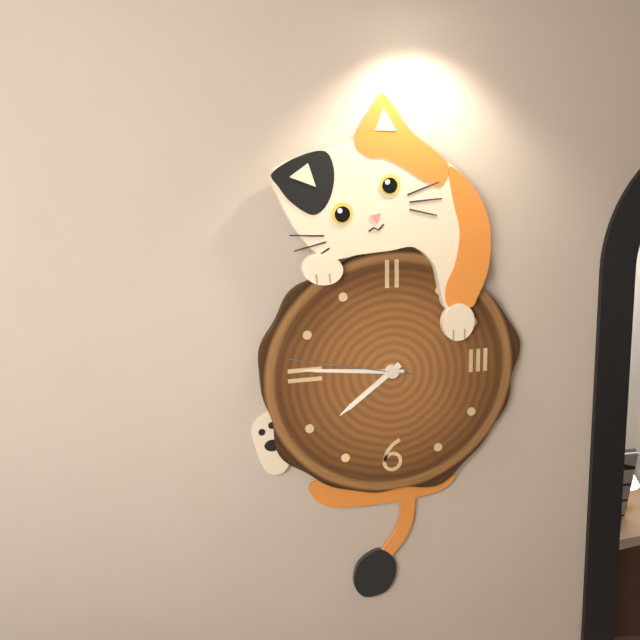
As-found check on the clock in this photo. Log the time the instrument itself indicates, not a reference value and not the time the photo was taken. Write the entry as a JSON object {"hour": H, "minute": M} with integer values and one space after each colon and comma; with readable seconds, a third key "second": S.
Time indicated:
{"hour": 7, "minute": 46, "second": 47}
